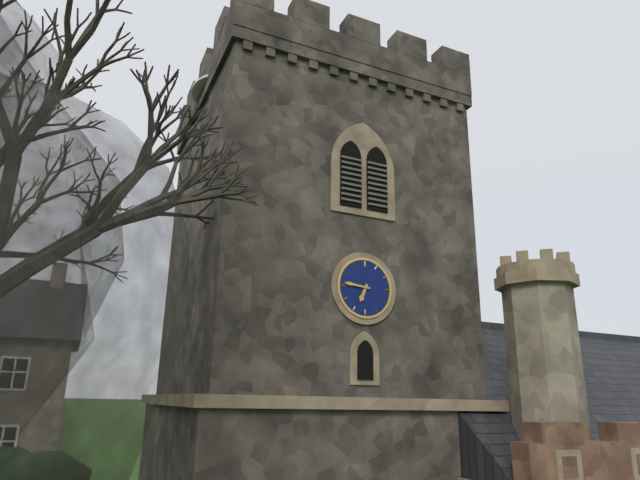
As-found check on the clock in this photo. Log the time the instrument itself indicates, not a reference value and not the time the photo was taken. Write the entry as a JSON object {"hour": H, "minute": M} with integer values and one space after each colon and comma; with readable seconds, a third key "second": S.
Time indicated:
{"hour": 6, "minute": 46}
